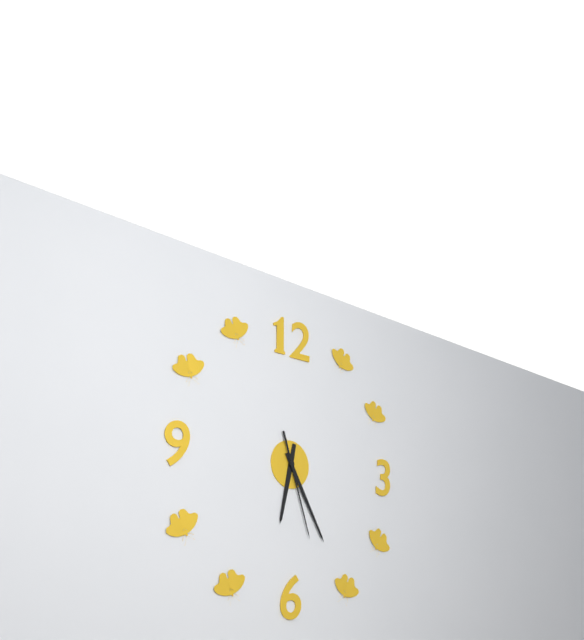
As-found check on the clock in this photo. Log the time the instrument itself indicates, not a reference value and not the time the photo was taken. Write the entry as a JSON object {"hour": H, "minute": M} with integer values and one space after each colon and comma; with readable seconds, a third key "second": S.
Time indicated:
{"hour": 6, "minute": 25, "second": 27}
